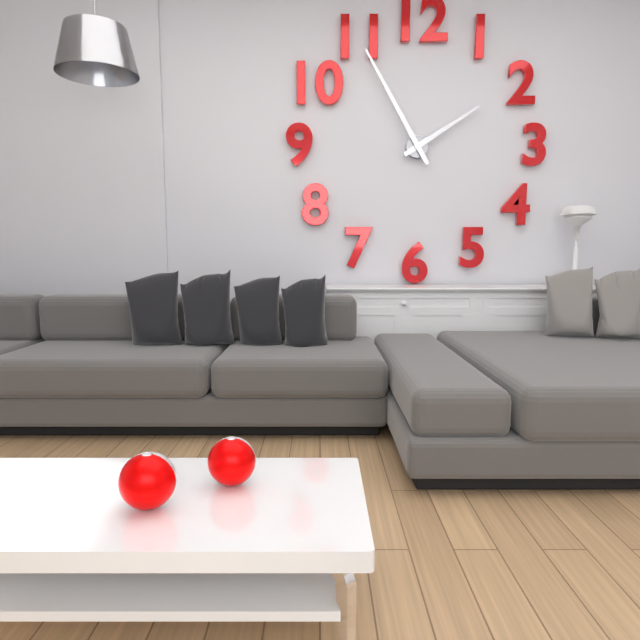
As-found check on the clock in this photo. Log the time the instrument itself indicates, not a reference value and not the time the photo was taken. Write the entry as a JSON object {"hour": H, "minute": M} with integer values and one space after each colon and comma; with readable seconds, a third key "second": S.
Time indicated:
{"hour": 1, "minute": 55}
